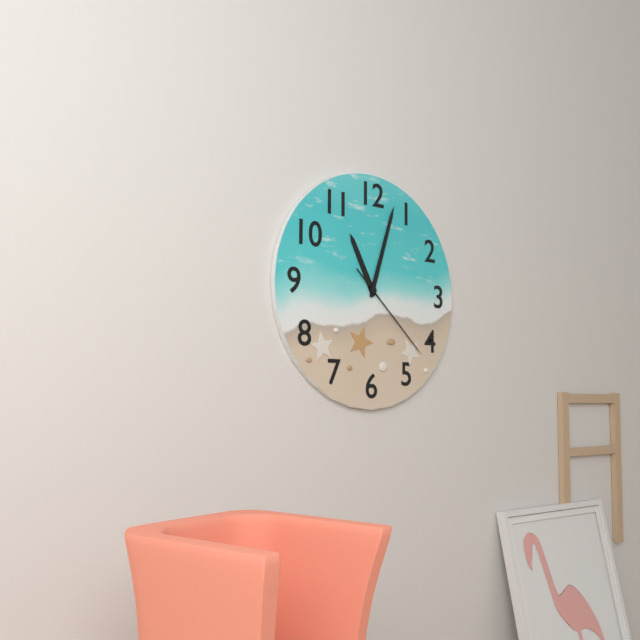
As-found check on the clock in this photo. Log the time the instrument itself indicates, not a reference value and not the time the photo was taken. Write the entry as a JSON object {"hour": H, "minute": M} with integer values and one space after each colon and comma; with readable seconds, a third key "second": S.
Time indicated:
{"hour": 11, "minute": 3, "second": 22}
